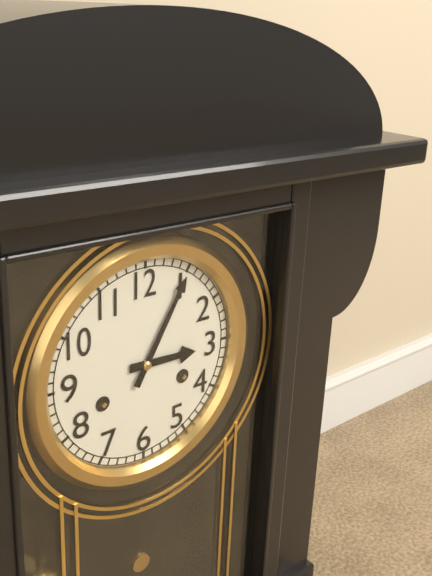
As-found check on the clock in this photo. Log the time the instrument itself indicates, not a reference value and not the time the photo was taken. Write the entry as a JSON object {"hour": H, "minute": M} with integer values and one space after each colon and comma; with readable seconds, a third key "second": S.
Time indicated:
{"hour": 3, "minute": 5}
